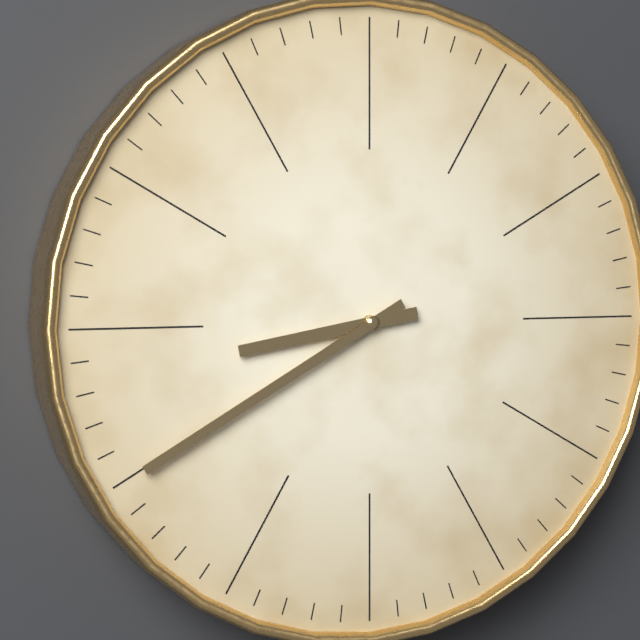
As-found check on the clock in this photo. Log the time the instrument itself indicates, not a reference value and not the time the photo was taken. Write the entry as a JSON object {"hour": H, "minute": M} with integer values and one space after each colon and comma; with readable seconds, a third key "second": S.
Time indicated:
{"hour": 8, "minute": 40}
